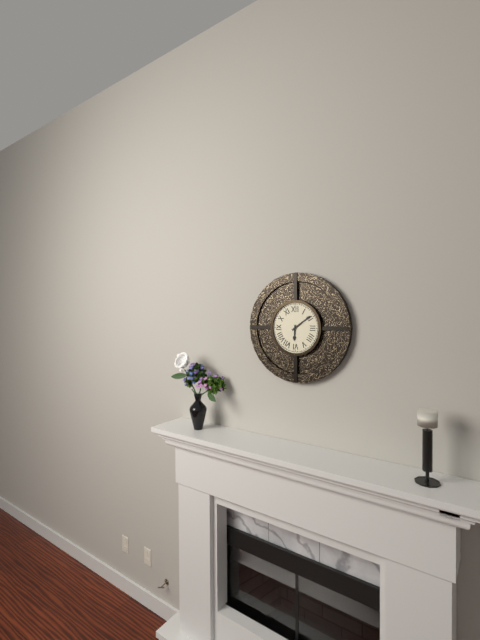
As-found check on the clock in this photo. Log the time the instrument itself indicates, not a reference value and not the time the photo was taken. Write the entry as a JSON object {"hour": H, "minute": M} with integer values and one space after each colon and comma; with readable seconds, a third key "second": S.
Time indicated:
{"hour": 6, "minute": 9}
